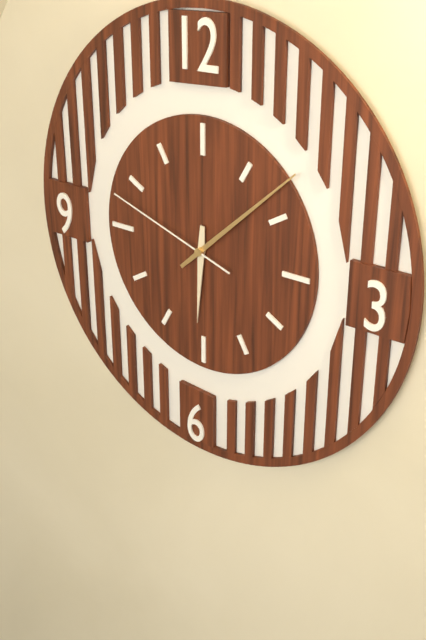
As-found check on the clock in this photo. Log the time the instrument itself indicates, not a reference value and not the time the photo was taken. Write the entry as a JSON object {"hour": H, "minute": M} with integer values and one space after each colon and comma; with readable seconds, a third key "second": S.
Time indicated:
{"hour": 6, "minute": 8, "second": 48}
